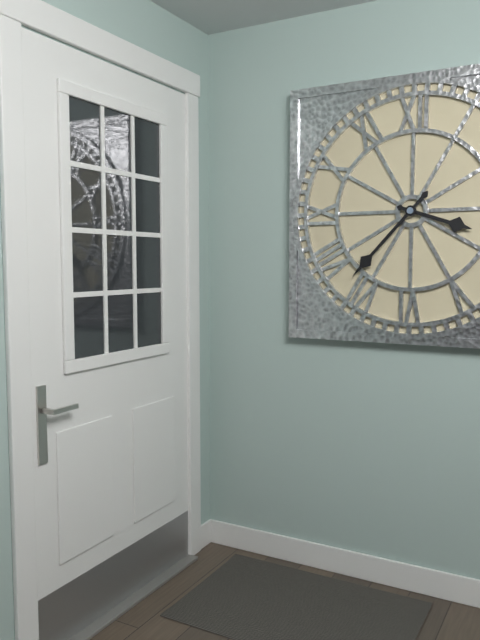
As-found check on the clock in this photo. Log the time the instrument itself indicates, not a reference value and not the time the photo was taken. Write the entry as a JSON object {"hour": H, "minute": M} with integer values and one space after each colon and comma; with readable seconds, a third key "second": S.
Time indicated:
{"hour": 3, "minute": 37}
